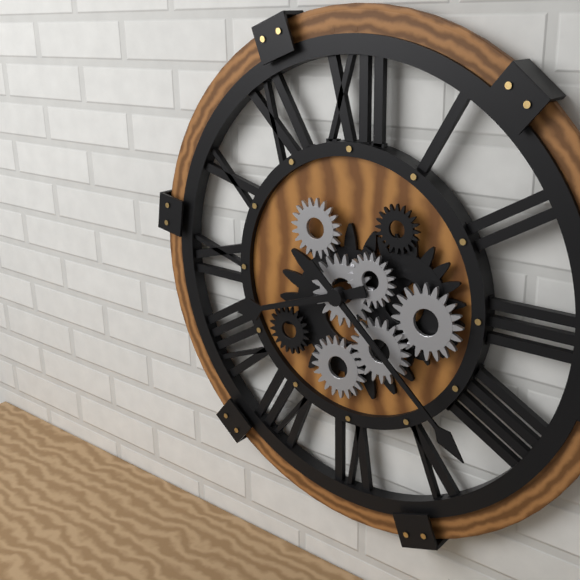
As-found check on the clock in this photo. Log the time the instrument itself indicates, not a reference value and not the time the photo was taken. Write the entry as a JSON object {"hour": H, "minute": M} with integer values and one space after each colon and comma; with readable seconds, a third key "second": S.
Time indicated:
{"hour": 8, "minute": 22}
